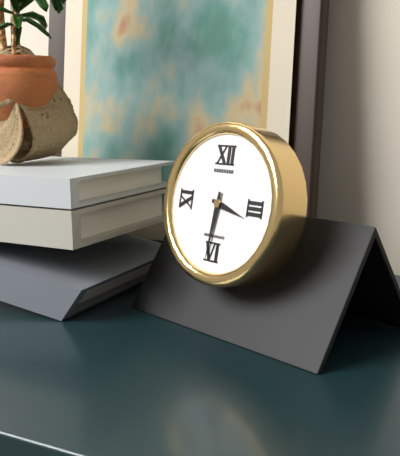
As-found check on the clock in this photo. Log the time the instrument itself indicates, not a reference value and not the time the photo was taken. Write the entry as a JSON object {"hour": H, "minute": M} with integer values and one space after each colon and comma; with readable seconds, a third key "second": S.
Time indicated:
{"hour": 3, "minute": 31}
